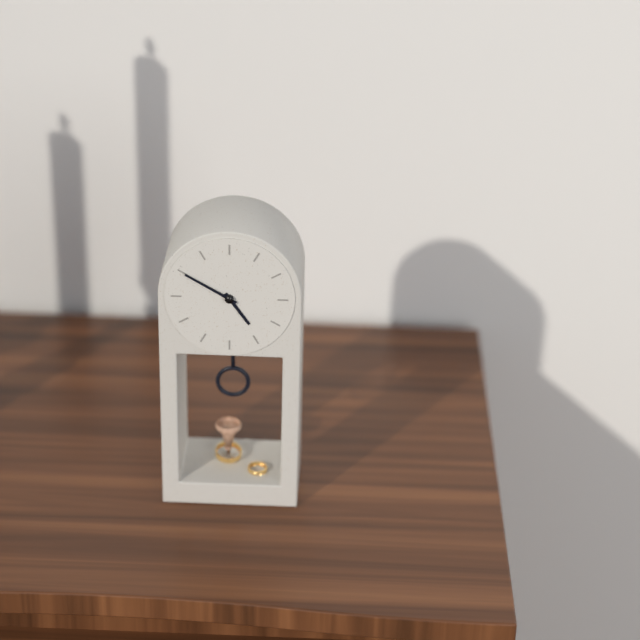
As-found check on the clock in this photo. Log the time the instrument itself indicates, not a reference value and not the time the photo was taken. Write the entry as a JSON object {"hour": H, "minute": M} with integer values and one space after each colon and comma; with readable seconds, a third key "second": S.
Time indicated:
{"hour": 4, "minute": 50}
